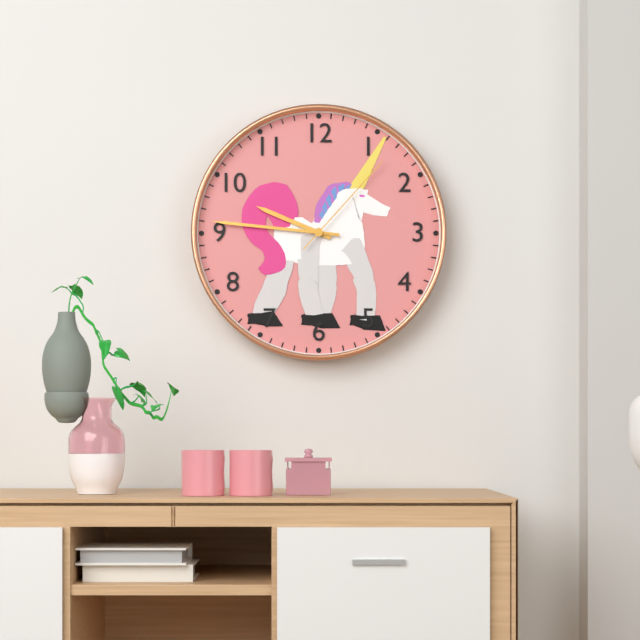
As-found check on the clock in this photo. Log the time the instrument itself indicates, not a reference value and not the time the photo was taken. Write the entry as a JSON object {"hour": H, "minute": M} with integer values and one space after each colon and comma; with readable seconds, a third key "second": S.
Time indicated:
{"hour": 9, "minute": 46, "second": 7}
